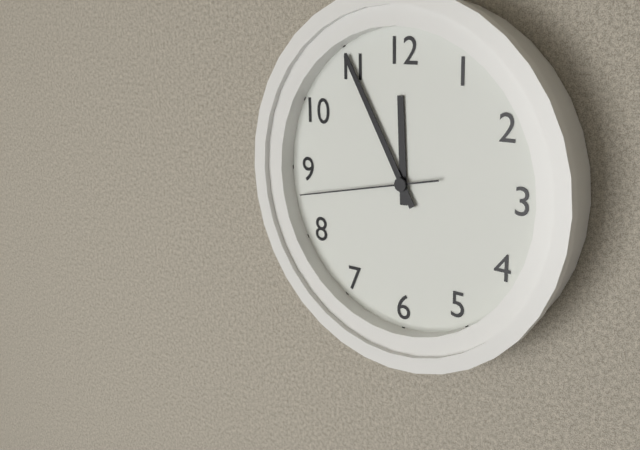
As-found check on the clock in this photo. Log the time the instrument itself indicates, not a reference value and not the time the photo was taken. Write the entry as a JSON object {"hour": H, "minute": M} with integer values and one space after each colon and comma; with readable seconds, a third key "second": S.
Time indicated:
{"hour": 11, "minute": 55, "second": 43}
